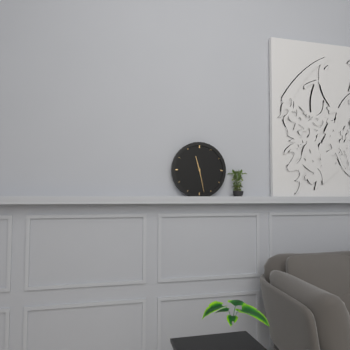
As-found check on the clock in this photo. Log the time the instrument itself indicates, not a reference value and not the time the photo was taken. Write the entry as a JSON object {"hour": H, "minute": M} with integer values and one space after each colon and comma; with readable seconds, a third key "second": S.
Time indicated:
{"hour": 11, "minute": 28}
